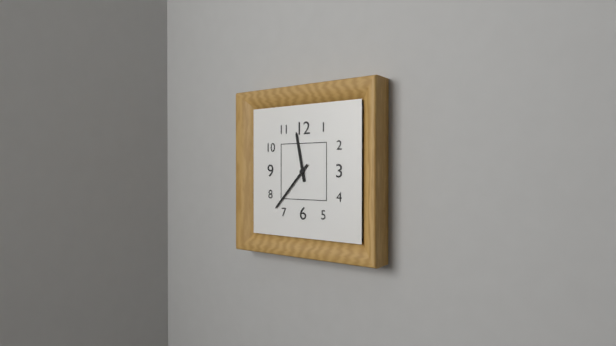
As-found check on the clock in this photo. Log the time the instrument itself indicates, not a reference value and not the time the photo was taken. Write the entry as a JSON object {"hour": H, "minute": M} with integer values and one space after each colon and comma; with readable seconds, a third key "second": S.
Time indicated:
{"hour": 11, "minute": 37}
